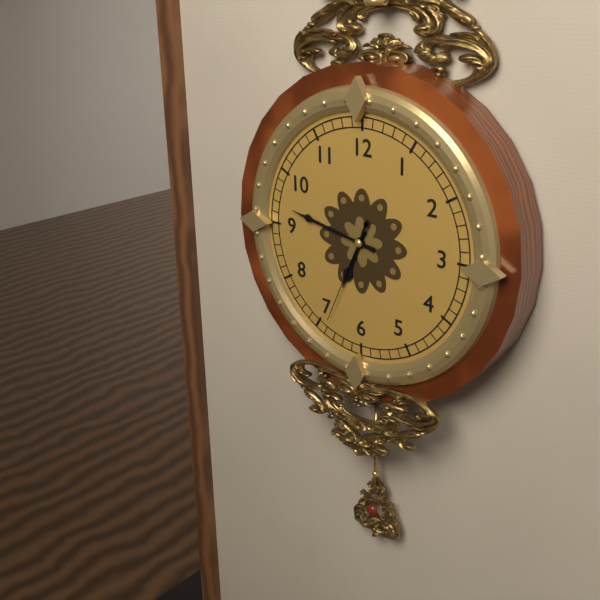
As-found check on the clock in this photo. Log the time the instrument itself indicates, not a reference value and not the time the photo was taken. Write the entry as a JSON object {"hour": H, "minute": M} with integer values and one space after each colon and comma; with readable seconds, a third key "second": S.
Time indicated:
{"hour": 6, "minute": 47, "second": 34}
